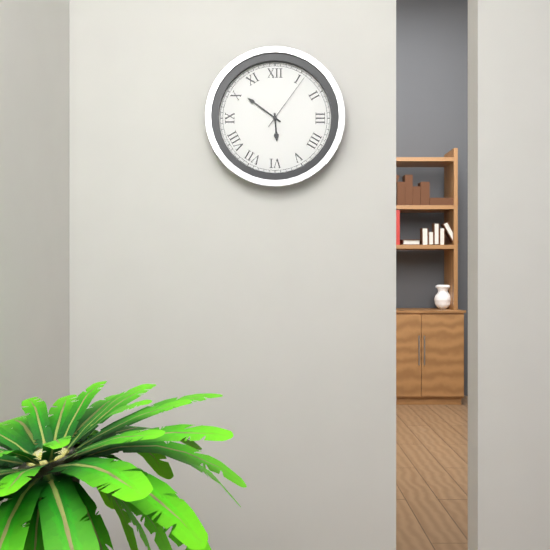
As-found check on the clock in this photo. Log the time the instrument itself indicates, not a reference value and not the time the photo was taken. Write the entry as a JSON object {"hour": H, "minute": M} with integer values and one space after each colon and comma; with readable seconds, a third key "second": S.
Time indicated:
{"hour": 5, "minute": 51, "second": 6}
